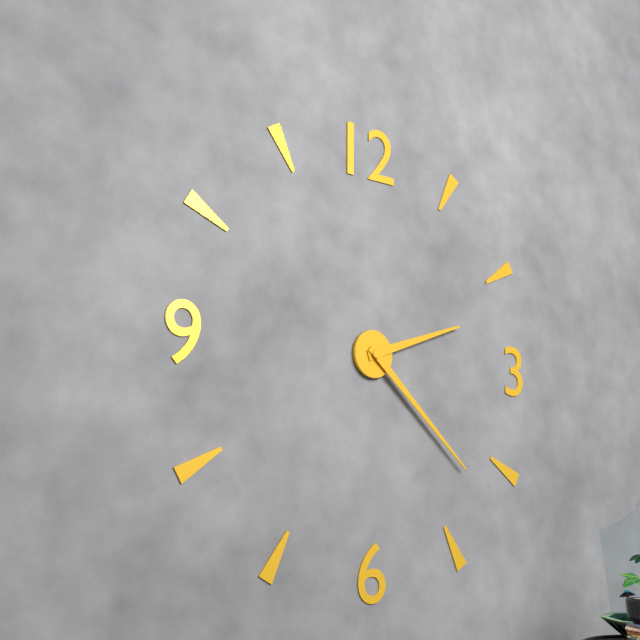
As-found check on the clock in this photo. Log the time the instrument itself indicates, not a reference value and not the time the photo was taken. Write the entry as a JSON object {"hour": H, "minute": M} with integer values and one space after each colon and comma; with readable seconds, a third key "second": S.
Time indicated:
{"hour": 2, "minute": 22}
